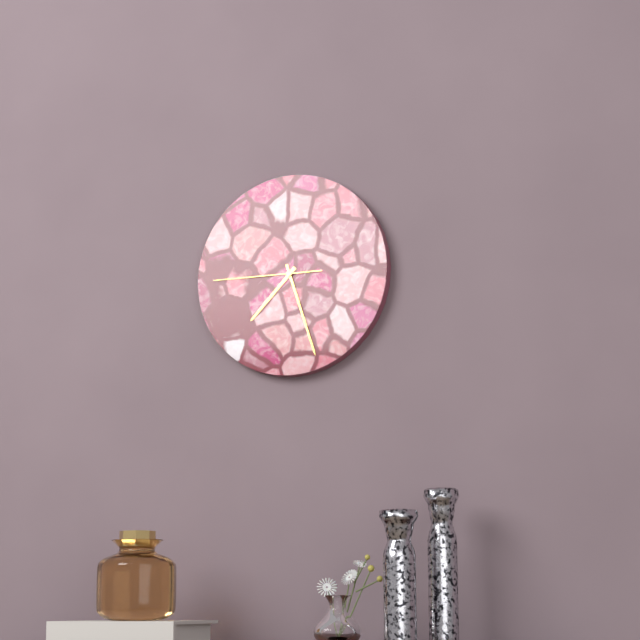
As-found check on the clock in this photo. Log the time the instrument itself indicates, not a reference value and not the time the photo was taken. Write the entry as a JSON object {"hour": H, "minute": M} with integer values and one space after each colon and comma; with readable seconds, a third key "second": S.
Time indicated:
{"hour": 7, "minute": 27, "second": 45}
